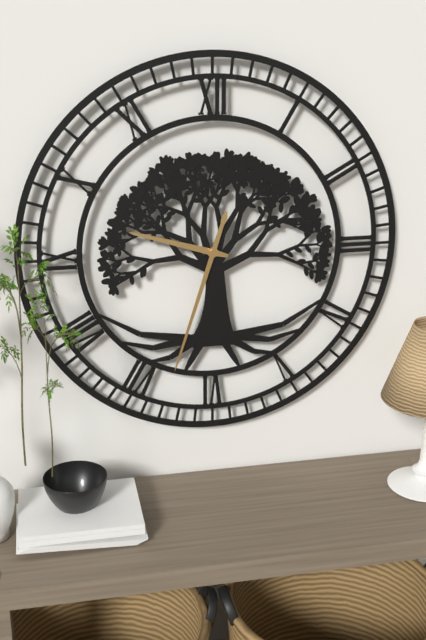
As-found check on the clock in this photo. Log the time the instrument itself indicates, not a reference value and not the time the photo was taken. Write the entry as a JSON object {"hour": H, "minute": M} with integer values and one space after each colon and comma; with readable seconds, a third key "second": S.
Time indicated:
{"hour": 9, "minute": 33}
